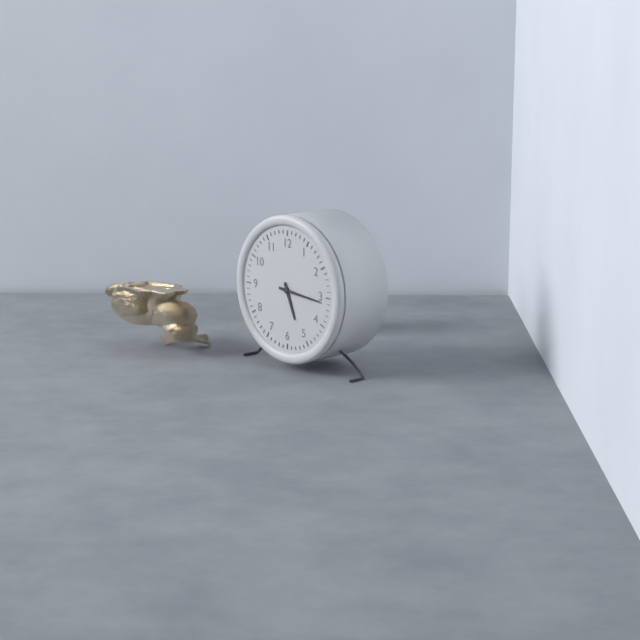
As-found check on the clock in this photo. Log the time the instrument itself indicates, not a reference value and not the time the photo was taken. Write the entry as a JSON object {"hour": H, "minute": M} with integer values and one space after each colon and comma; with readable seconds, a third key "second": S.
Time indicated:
{"hour": 5, "minute": 16}
